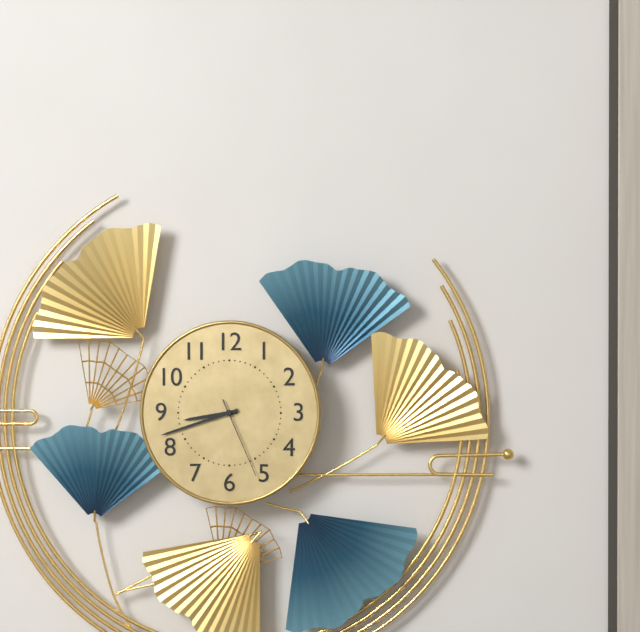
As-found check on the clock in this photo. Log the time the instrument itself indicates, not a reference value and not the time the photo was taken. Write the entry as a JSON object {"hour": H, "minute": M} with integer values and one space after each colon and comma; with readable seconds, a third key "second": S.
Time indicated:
{"hour": 8, "minute": 42, "second": 26}
